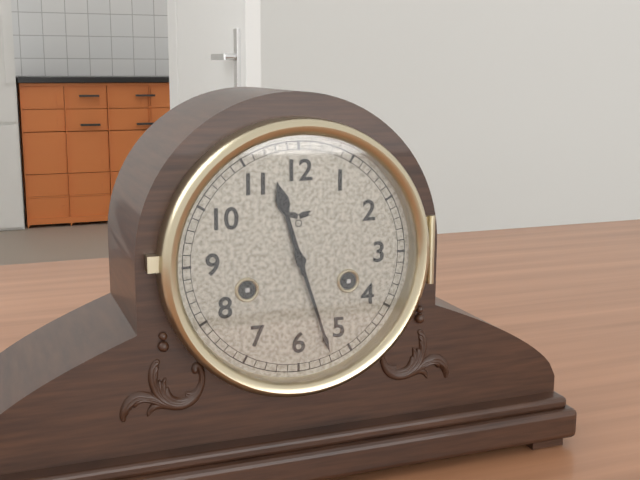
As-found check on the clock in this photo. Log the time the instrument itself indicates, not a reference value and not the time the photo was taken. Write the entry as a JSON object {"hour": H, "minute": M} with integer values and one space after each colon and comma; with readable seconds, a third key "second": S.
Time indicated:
{"hour": 11, "minute": 27}
